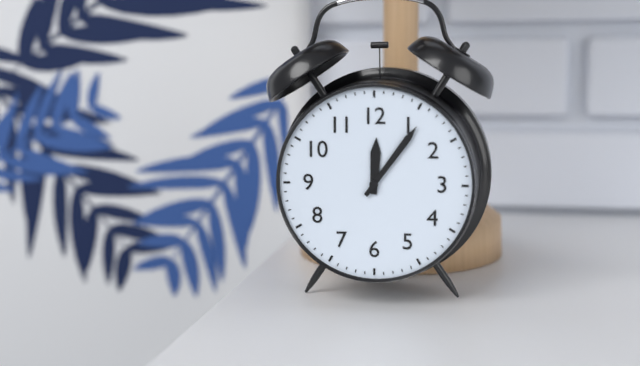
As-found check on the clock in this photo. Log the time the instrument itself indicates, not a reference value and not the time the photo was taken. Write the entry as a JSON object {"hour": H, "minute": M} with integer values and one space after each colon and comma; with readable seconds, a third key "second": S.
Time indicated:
{"hour": 12, "minute": 6}
